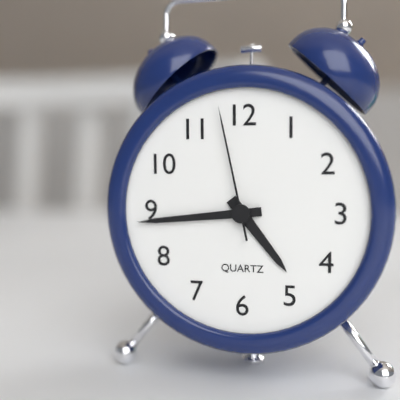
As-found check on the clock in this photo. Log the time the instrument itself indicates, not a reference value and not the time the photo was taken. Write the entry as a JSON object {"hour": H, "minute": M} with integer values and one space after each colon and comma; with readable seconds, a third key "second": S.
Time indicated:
{"hour": 4, "minute": 44, "second": 58}
